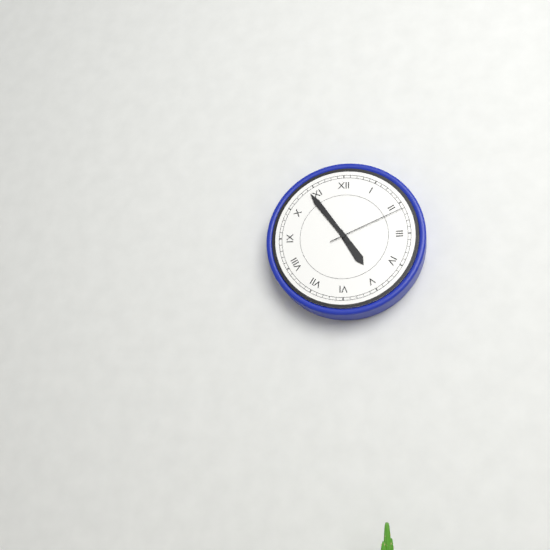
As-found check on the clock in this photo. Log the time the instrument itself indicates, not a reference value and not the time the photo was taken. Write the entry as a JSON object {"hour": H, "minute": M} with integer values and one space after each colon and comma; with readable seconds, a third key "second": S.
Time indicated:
{"hour": 4, "minute": 54, "second": 11}
